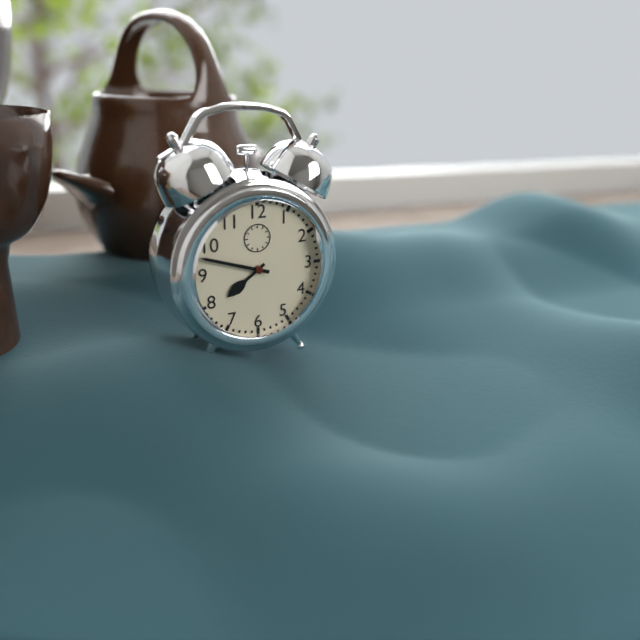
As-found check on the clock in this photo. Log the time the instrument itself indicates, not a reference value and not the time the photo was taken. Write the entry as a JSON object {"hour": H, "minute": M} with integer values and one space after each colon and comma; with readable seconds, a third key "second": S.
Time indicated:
{"hour": 7, "minute": 48}
